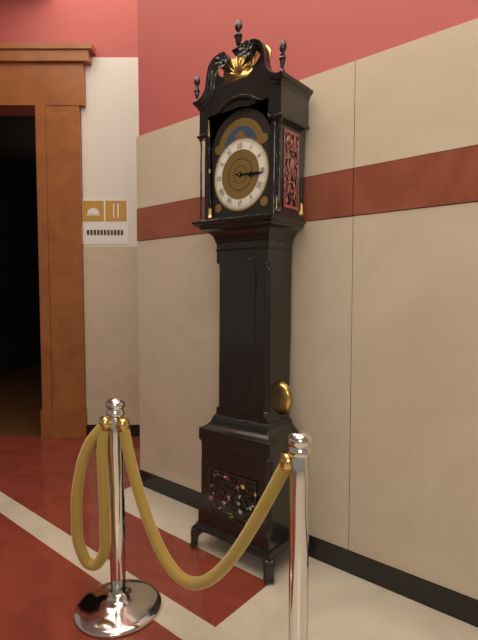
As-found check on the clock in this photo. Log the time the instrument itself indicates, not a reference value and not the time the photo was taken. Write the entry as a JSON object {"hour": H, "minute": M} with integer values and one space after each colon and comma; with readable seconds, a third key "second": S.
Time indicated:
{"hour": 3, "minute": 16}
